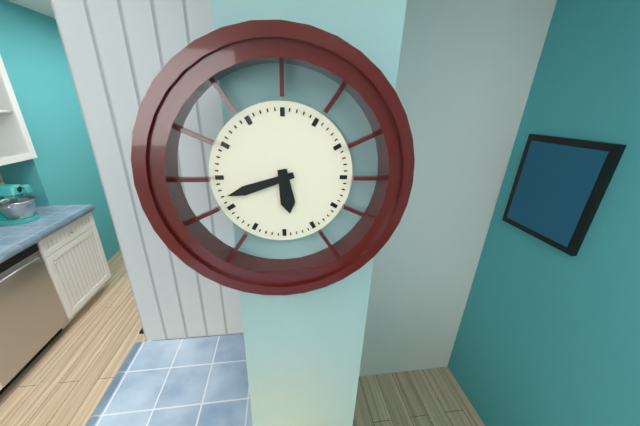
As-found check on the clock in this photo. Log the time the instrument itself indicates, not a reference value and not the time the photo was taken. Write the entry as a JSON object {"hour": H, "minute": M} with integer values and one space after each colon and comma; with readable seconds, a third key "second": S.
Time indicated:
{"hour": 5, "minute": 42}
